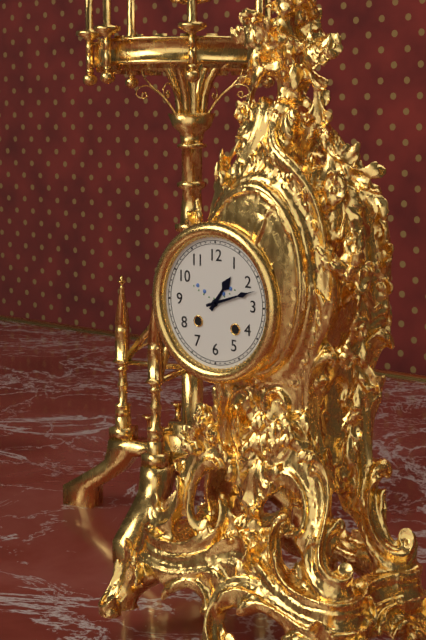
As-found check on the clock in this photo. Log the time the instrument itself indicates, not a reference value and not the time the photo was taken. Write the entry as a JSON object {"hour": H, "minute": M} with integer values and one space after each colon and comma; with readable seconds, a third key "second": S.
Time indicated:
{"hour": 1, "minute": 12}
